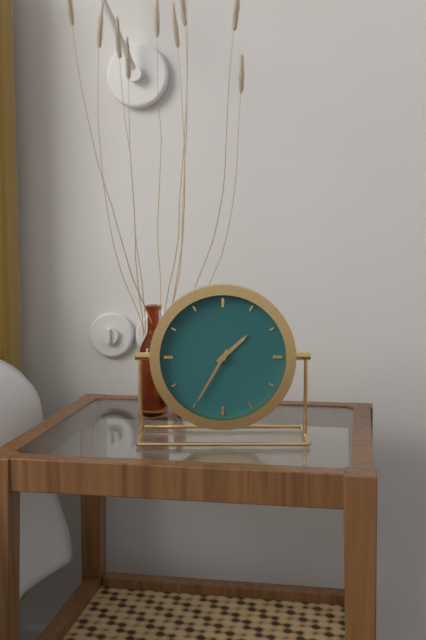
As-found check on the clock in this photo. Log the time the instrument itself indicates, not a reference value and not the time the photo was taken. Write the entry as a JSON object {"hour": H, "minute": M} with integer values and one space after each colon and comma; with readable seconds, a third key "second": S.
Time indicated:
{"hour": 1, "minute": 35}
